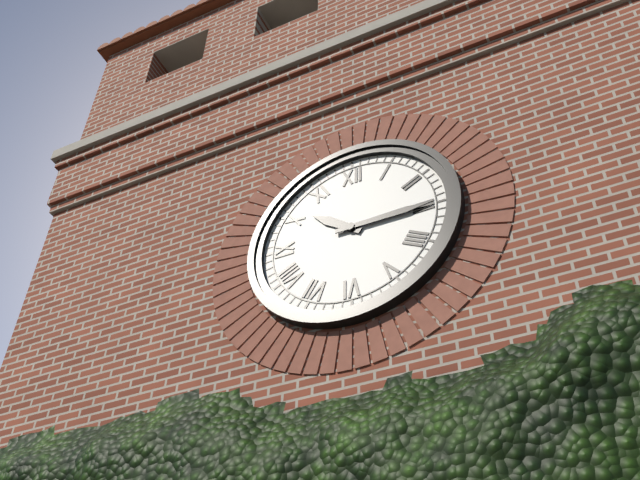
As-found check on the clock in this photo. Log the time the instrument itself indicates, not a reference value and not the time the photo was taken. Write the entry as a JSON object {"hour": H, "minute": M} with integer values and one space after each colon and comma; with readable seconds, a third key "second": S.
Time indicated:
{"hour": 10, "minute": 15}
